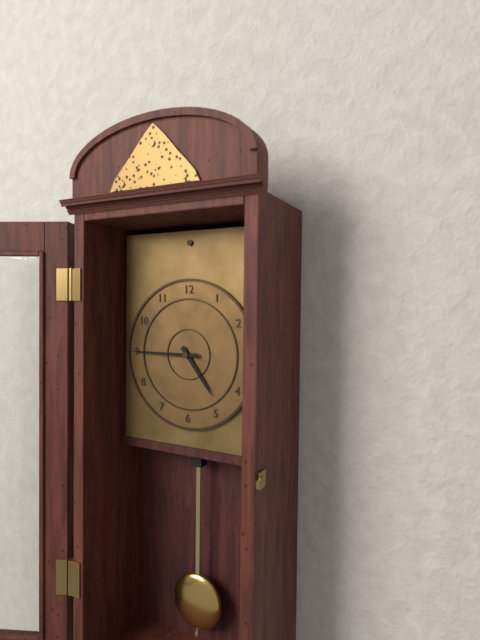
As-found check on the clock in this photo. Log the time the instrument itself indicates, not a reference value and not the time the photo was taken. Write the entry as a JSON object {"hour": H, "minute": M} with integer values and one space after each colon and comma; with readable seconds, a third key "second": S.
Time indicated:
{"hour": 4, "minute": 45}
